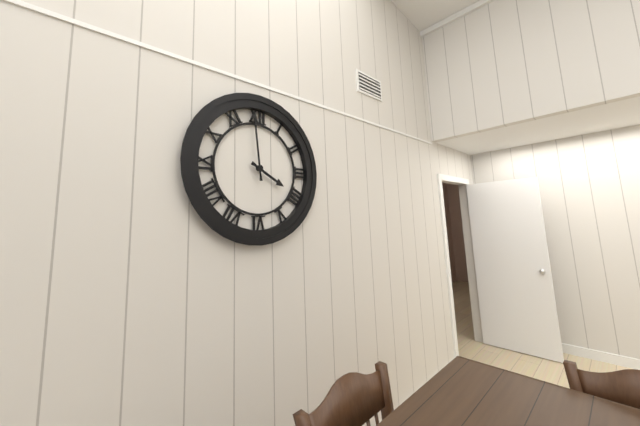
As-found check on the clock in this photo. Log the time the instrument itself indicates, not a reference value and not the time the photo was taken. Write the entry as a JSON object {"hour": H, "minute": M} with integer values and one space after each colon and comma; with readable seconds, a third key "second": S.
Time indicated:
{"hour": 3, "minute": 59}
